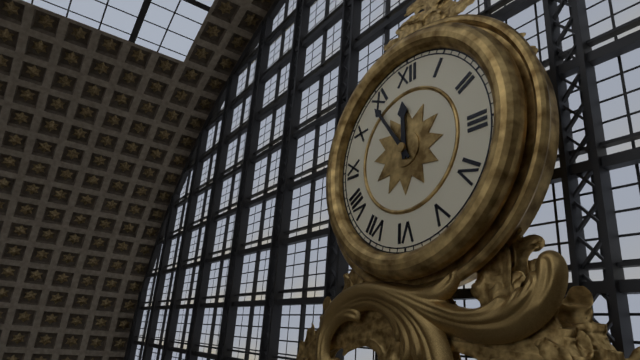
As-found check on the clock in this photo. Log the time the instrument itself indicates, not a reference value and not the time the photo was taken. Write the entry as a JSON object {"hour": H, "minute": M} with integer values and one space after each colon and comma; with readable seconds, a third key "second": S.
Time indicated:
{"hour": 11, "minute": 54}
